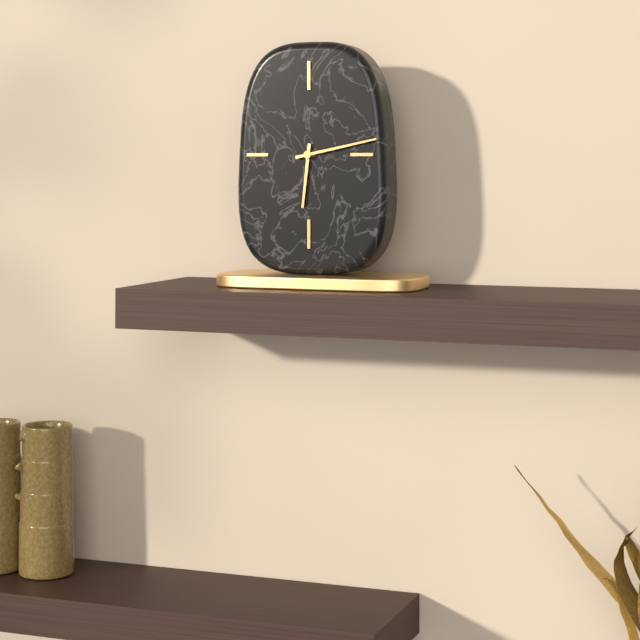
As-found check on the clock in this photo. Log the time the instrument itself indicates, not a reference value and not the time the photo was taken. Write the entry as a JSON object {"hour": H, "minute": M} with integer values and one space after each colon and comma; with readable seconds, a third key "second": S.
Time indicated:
{"hour": 6, "minute": 13}
